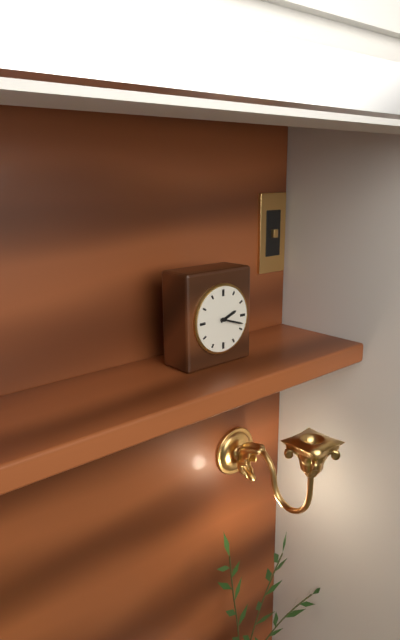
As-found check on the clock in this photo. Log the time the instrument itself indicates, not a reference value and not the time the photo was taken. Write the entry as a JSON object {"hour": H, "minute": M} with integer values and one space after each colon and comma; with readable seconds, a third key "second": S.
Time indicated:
{"hour": 2, "minute": 18}
